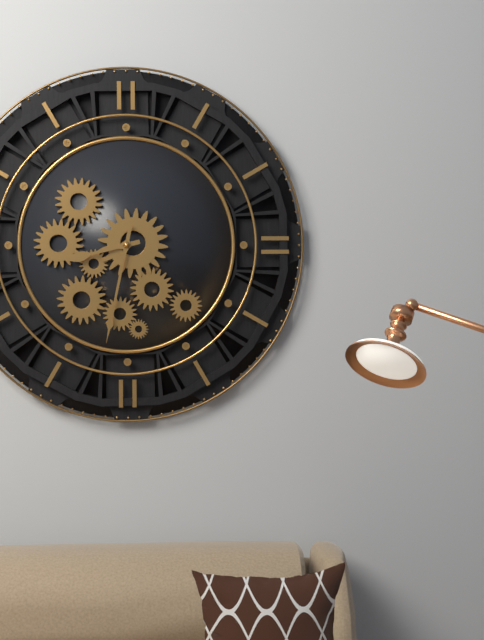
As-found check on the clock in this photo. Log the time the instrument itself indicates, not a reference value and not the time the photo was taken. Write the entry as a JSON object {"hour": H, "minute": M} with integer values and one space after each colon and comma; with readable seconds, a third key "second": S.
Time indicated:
{"hour": 8, "minute": 32}
